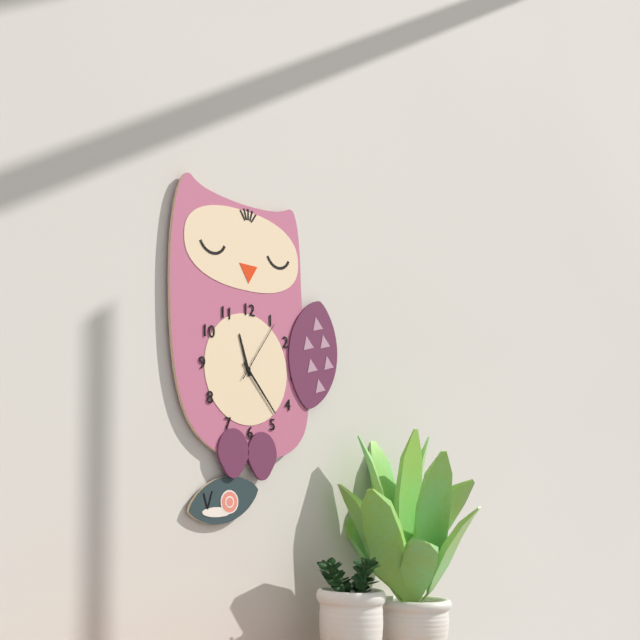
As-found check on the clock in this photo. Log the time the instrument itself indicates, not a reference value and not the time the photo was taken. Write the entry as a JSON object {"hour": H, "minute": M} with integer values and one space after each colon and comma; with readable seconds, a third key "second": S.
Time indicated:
{"hour": 11, "minute": 23, "second": 6}
